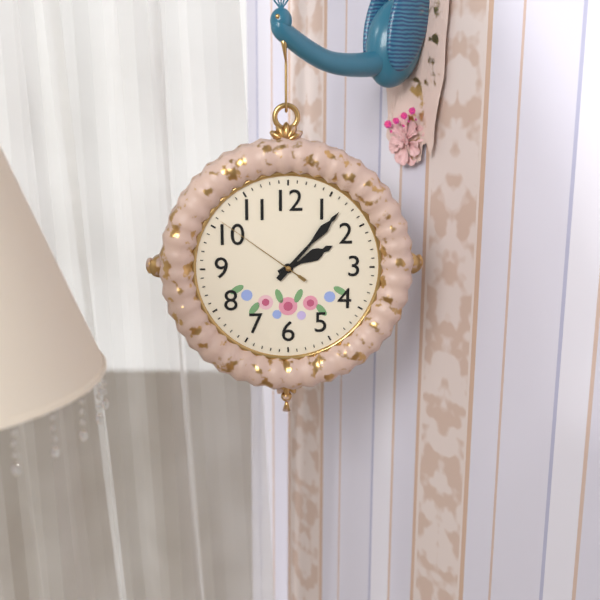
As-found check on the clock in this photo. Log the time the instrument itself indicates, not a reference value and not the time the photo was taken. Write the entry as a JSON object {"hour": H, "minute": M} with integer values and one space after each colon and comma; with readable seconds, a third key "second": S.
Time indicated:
{"hour": 2, "minute": 7, "second": 51}
